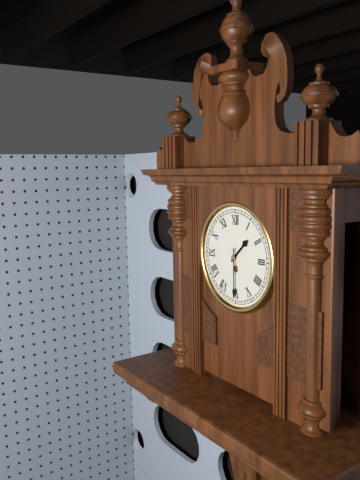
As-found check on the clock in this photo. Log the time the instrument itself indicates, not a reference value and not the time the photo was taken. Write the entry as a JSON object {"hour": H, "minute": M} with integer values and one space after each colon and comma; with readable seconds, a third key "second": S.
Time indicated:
{"hour": 1, "minute": 30}
